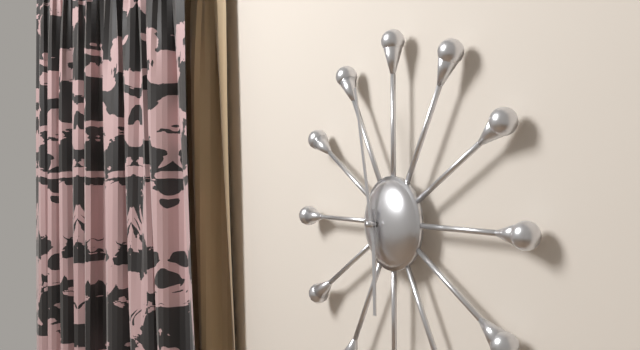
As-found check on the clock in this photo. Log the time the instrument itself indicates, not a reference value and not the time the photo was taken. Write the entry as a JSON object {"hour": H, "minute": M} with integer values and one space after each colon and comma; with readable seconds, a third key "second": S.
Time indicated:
{"hour": 5, "minute": 58}
